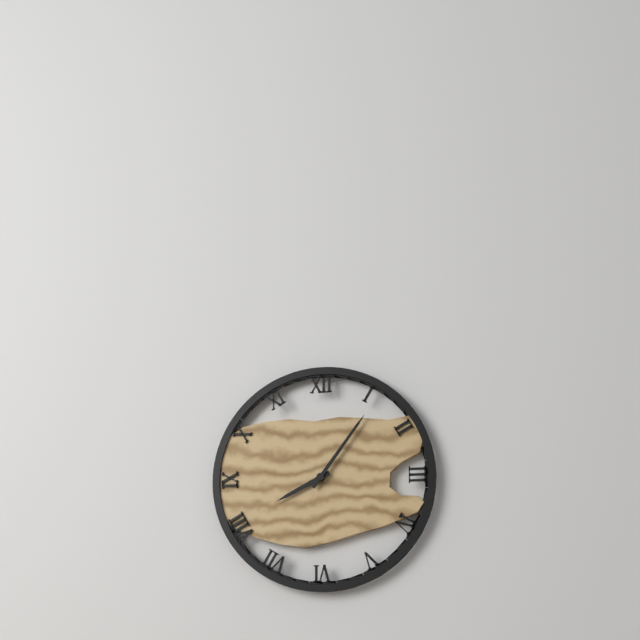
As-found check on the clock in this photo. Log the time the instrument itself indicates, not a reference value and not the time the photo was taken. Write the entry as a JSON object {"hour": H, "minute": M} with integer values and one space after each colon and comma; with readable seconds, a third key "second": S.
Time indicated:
{"hour": 8, "minute": 6}
